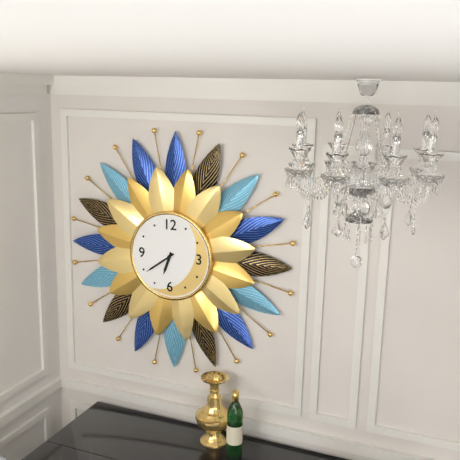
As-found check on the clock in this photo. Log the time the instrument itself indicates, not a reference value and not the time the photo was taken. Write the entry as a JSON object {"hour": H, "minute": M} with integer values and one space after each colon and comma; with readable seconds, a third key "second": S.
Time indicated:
{"hour": 6, "minute": 39}
